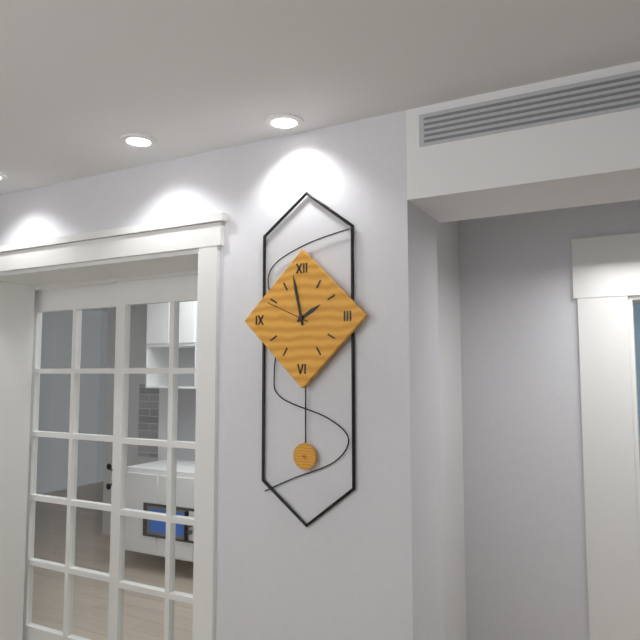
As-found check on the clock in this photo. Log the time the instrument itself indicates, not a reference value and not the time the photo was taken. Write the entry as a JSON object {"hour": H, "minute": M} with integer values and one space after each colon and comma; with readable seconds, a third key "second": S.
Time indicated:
{"hour": 1, "minute": 58, "second": 49}
